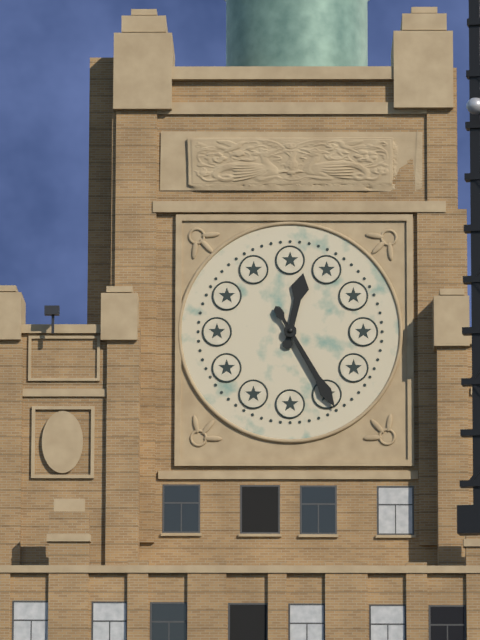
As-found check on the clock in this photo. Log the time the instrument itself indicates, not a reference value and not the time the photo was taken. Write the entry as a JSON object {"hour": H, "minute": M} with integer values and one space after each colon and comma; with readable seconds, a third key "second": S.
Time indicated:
{"hour": 12, "minute": 25}
